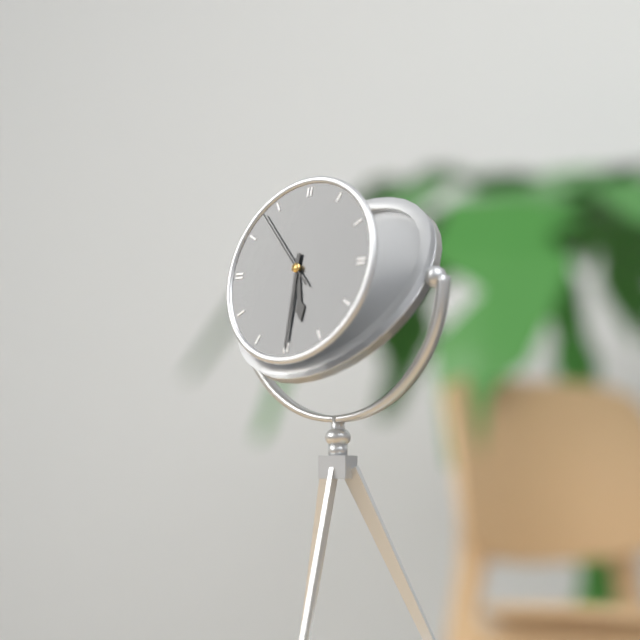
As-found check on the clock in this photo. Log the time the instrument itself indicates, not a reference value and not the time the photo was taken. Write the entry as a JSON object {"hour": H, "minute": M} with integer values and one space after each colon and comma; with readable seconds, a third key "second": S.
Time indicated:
{"hour": 5, "minute": 30, "second": 53}
